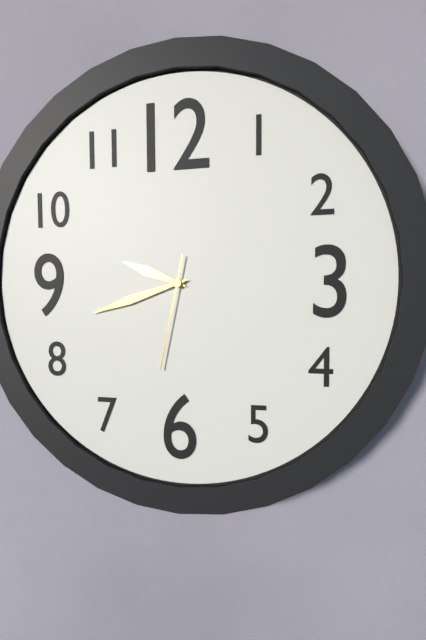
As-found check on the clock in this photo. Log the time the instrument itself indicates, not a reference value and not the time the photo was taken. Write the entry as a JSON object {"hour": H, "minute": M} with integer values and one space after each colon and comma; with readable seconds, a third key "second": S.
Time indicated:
{"hour": 9, "minute": 42, "second": 32}
